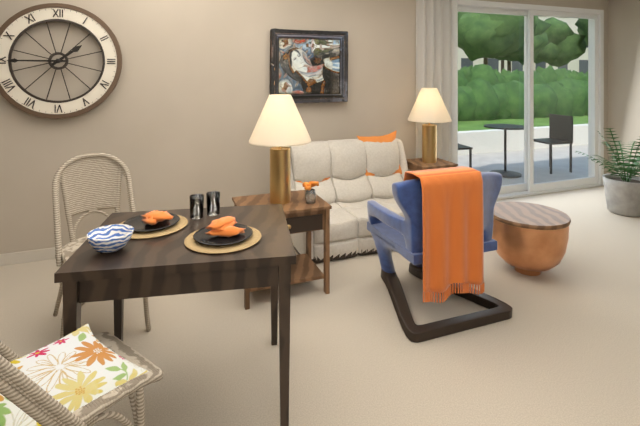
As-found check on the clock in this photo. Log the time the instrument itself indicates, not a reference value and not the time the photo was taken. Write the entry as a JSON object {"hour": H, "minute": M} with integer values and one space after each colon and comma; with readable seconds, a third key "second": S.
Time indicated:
{"hour": 1, "minute": 45}
